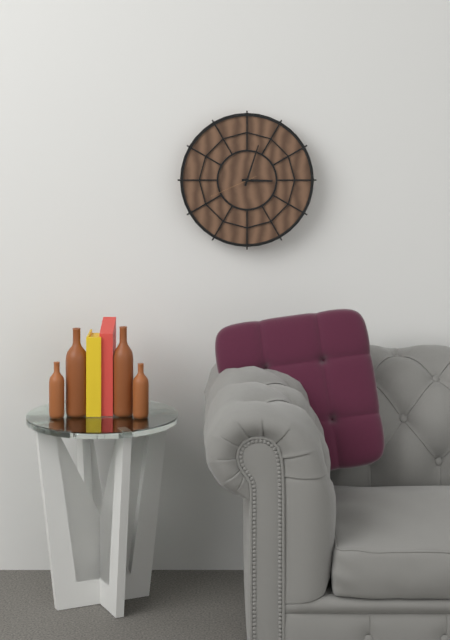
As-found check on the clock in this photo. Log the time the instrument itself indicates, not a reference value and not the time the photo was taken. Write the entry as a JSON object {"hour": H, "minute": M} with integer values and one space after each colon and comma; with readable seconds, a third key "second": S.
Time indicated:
{"hour": 3, "minute": 3, "second": 41}
